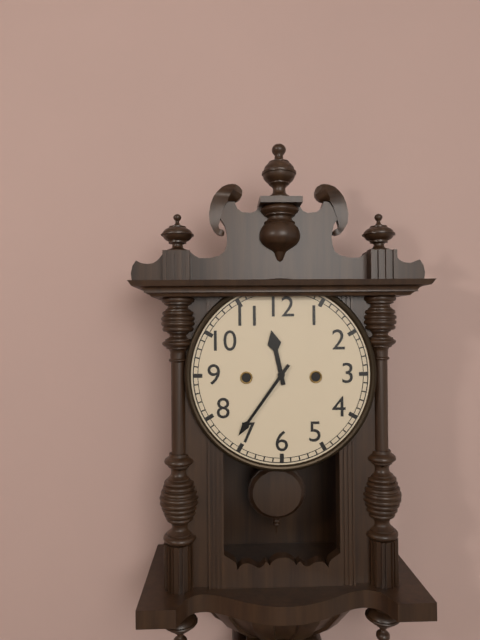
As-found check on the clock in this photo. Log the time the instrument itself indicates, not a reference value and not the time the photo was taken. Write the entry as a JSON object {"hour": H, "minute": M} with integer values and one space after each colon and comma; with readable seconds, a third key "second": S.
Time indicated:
{"hour": 11, "minute": 36}
